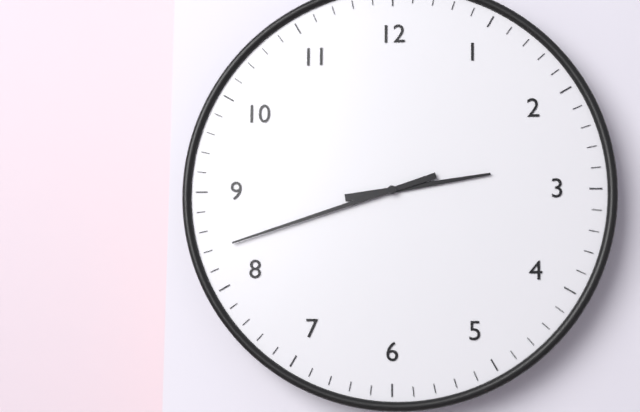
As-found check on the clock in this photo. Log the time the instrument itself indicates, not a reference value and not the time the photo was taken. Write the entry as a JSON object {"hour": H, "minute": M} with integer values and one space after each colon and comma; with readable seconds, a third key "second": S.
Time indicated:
{"hour": 2, "minute": 42}
